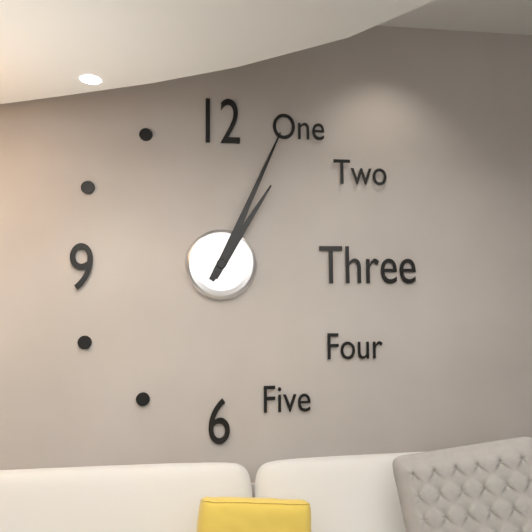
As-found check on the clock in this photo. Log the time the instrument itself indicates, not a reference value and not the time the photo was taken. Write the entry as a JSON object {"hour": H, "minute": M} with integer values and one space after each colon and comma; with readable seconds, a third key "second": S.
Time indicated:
{"hour": 1, "minute": 4}
